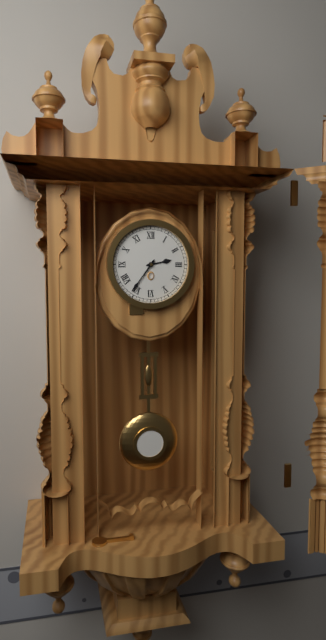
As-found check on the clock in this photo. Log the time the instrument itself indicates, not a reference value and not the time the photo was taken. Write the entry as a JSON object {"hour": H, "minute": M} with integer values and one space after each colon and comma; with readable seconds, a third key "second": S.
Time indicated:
{"hour": 2, "minute": 36}
